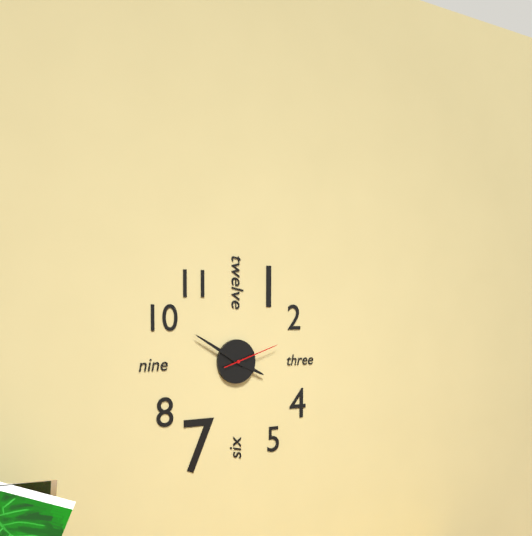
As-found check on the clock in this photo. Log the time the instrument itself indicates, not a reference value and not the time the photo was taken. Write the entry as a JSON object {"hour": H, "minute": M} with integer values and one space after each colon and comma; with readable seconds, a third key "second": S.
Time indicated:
{"hour": 3, "minute": 50, "second": 12}
